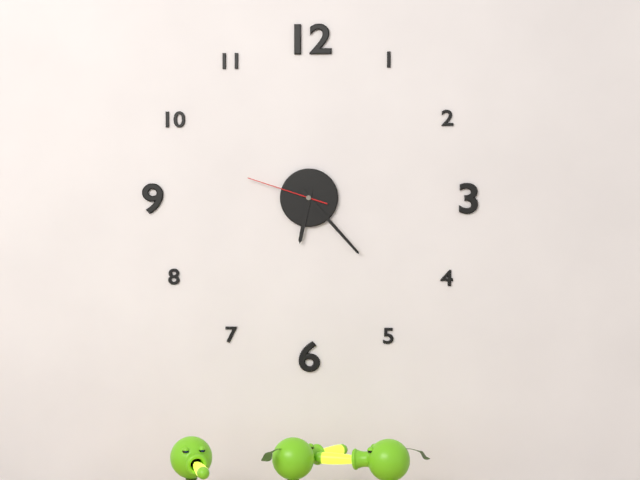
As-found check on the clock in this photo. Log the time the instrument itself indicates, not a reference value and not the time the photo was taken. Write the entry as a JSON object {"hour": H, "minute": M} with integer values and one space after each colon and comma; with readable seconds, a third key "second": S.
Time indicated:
{"hour": 6, "minute": 23, "second": 48}
